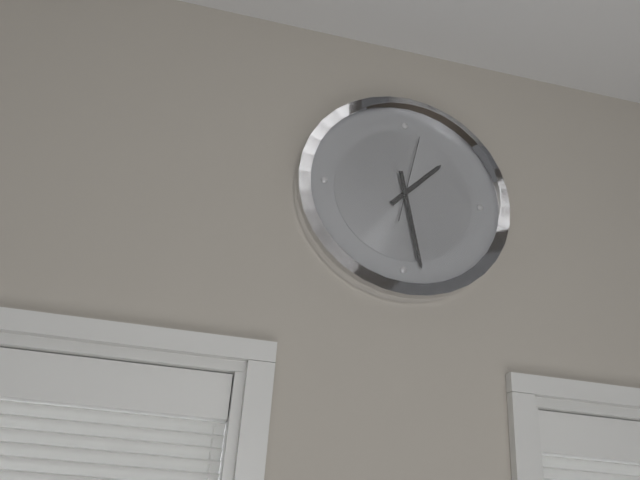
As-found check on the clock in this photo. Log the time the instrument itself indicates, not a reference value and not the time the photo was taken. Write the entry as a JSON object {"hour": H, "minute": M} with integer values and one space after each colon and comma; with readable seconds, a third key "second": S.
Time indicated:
{"hour": 1, "minute": 28, "second": 2}
